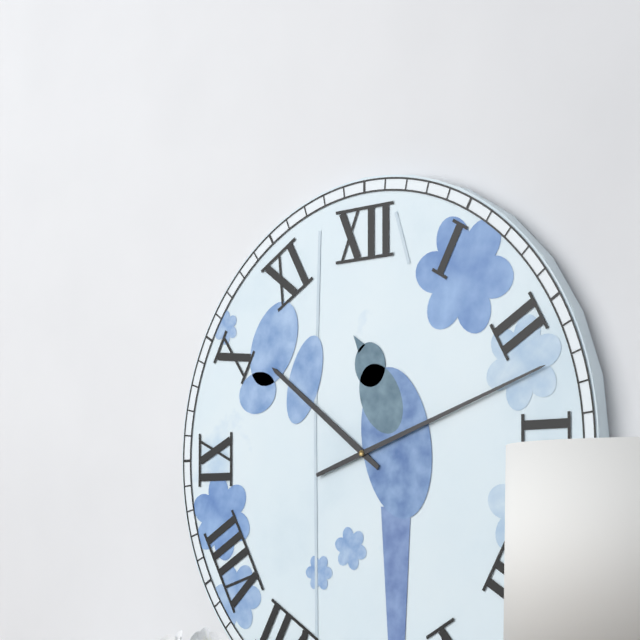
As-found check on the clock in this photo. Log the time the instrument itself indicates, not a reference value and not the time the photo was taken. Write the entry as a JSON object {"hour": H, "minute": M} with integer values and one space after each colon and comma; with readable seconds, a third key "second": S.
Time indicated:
{"hour": 10, "minute": 12}
